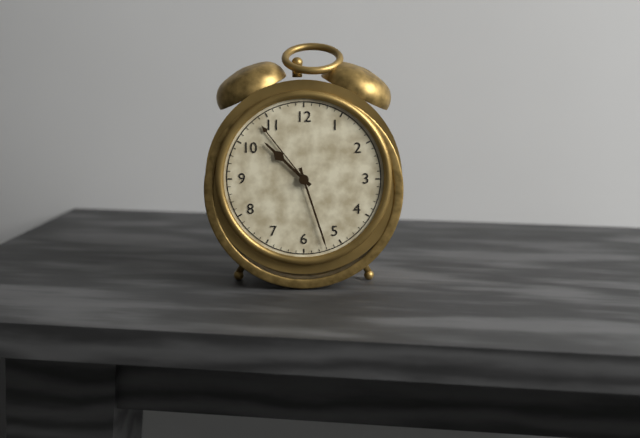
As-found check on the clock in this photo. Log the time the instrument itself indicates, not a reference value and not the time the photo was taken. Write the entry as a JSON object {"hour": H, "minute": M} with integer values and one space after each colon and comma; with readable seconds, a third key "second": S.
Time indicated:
{"hour": 10, "minute": 27}
